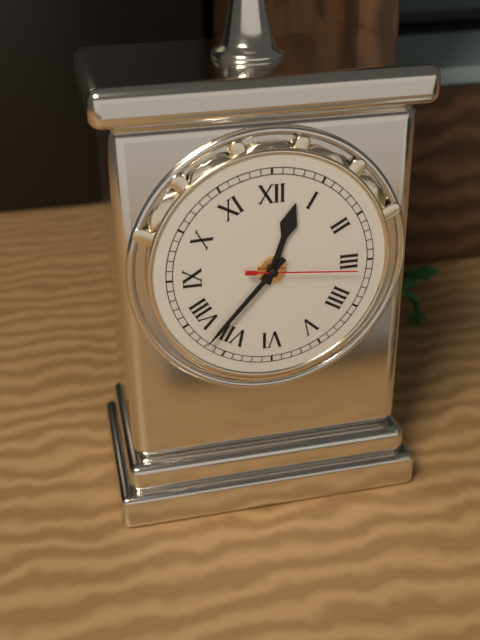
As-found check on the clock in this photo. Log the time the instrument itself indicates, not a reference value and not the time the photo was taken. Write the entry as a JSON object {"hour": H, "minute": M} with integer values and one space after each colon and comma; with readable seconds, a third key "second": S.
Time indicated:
{"hour": 12, "minute": 37, "second": 16}
